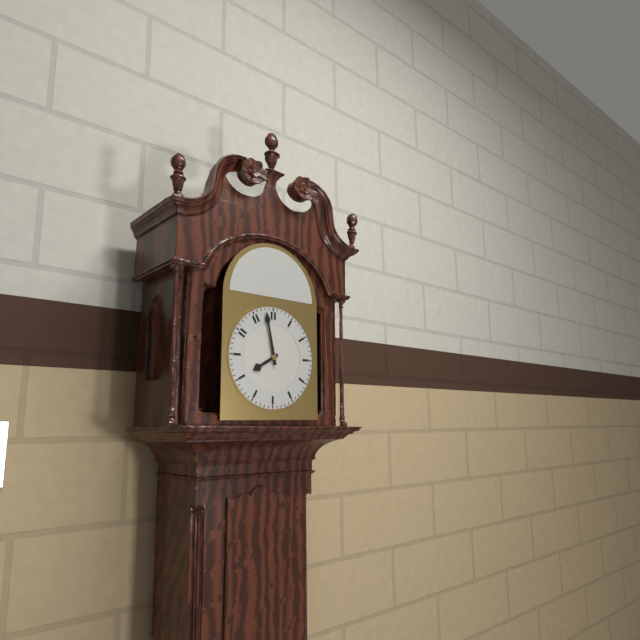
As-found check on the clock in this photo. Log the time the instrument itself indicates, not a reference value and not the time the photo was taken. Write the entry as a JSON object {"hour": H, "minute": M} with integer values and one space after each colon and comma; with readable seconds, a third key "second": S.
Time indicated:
{"hour": 7, "minute": 58}
